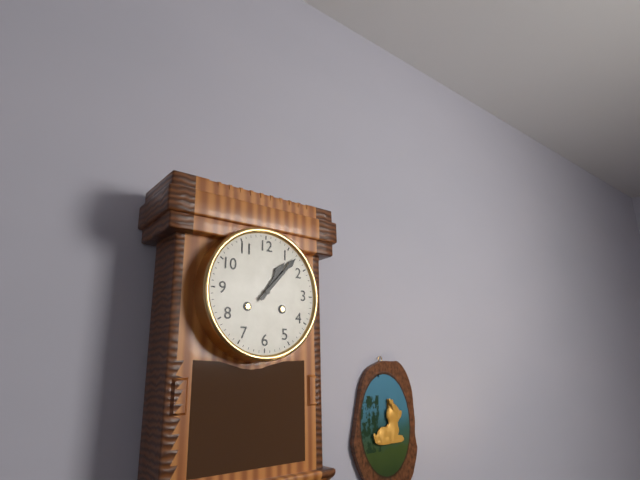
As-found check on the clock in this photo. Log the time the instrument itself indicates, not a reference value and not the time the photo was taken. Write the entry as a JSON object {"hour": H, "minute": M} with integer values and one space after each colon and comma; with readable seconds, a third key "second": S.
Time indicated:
{"hour": 1, "minute": 7}
